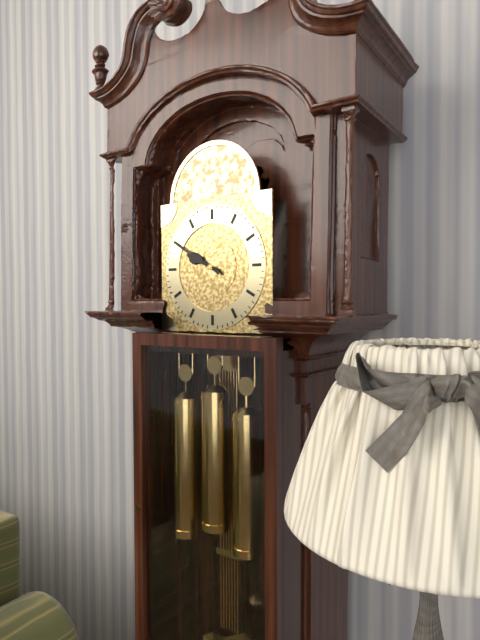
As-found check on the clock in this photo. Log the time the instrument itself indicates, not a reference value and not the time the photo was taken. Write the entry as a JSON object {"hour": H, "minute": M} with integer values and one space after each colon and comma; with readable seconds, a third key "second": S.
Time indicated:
{"hour": 9, "minute": 50}
